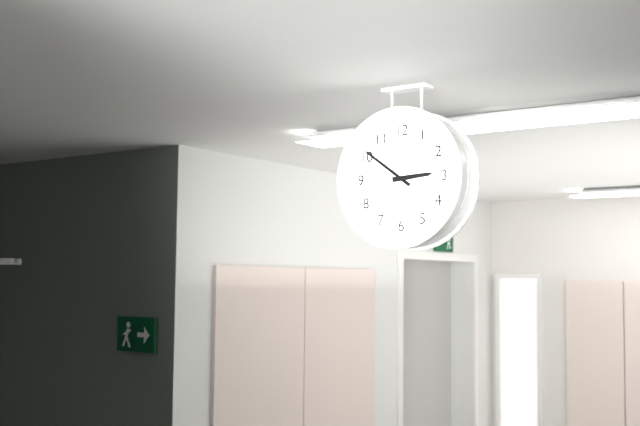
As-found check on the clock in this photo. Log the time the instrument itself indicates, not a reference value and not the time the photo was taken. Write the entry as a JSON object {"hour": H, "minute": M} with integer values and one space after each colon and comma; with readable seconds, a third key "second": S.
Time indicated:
{"hour": 2, "minute": 51}
